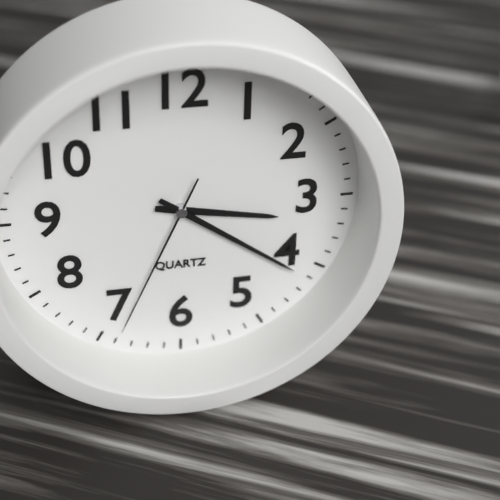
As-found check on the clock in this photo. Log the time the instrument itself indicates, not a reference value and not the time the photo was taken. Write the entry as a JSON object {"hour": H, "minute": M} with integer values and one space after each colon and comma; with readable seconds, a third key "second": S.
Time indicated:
{"hour": 3, "minute": 21, "second": 34}
